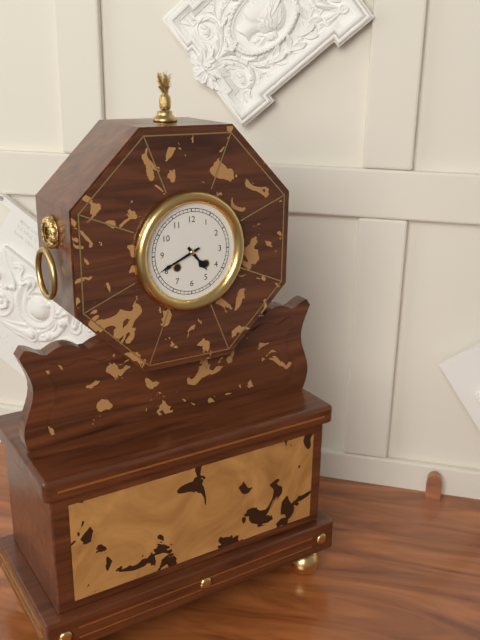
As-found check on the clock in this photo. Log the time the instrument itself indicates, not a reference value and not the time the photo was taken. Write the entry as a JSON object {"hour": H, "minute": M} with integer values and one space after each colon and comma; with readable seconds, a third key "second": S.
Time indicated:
{"hour": 4, "minute": 41}
